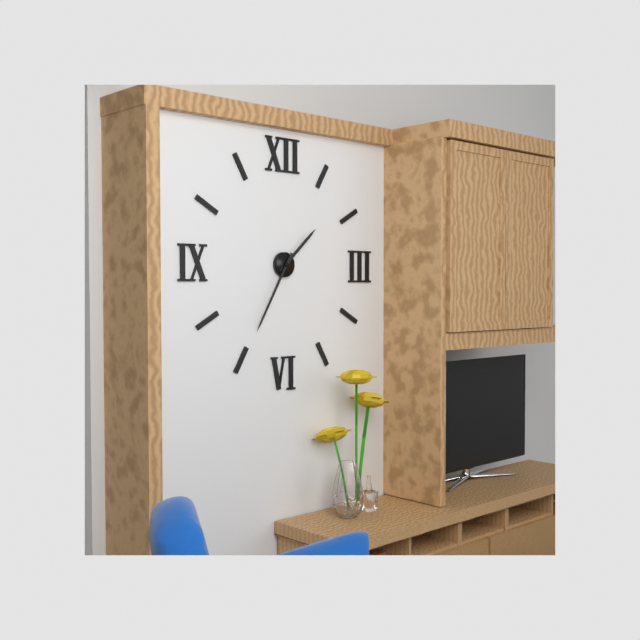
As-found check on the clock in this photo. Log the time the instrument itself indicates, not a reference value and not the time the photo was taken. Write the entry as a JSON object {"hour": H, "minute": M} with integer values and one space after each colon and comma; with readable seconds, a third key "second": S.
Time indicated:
{"hour": 1, "minute": 35}
